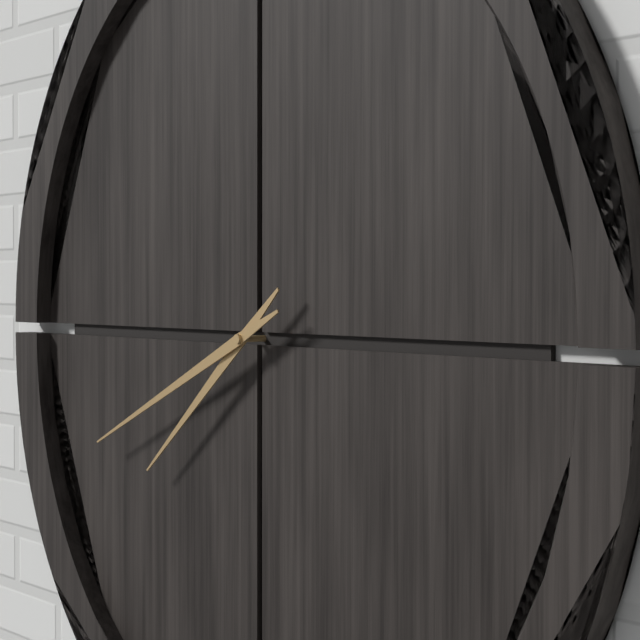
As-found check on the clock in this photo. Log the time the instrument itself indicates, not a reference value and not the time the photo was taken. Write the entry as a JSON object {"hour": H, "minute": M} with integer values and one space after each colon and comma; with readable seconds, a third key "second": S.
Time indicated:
{"hour": 7, "minute": 41}
